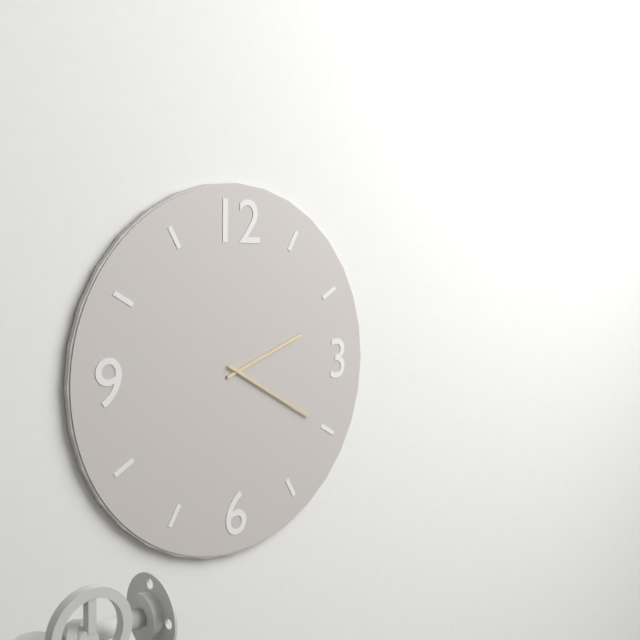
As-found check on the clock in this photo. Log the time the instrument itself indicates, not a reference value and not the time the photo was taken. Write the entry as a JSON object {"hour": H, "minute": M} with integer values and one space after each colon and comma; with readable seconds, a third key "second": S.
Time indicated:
{"hour": 2, "minute": 20}
